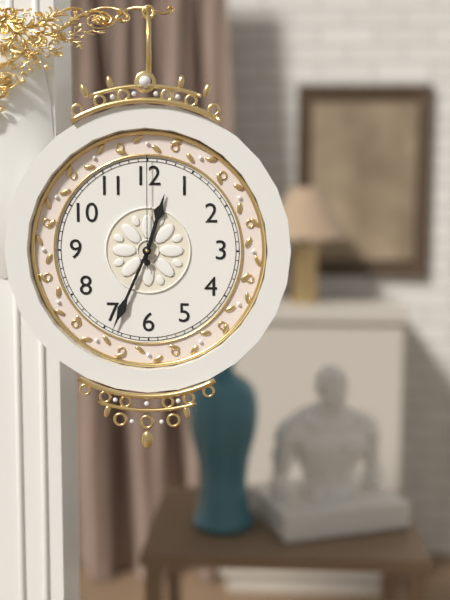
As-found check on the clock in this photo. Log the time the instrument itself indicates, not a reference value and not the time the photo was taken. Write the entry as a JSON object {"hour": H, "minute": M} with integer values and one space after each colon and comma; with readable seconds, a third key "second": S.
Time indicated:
{"hour": 12, "minute": 34, "second": 0}
